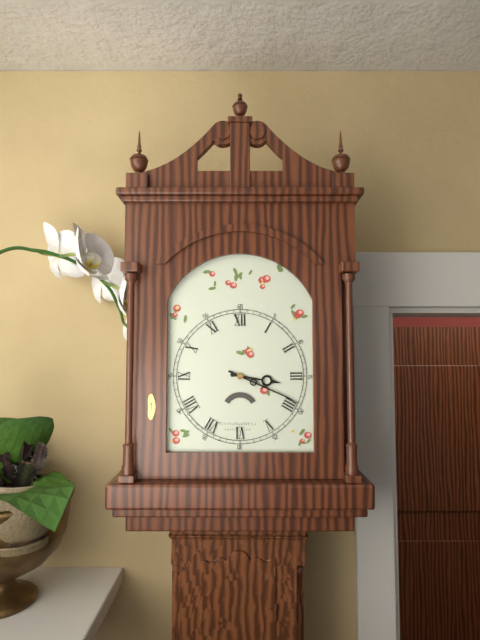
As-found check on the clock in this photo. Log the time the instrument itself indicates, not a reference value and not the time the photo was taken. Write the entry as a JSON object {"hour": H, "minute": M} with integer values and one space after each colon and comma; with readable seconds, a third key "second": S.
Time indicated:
{"hour": 3, "minute": 19}
